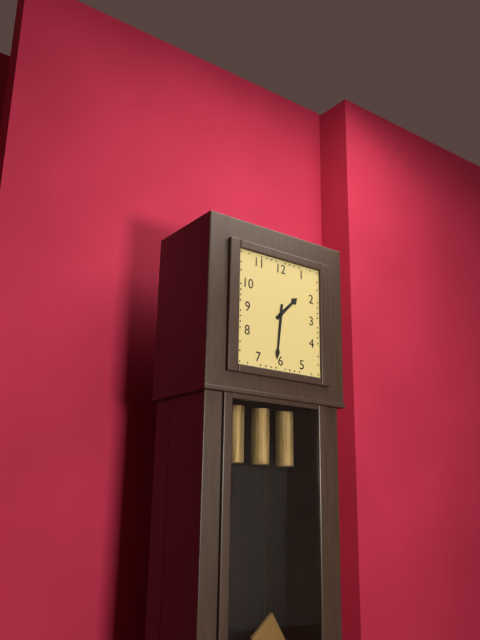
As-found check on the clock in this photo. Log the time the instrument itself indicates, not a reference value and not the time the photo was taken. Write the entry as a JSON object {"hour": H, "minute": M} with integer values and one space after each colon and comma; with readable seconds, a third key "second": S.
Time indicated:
{"hour": 1, "minute": 31}
